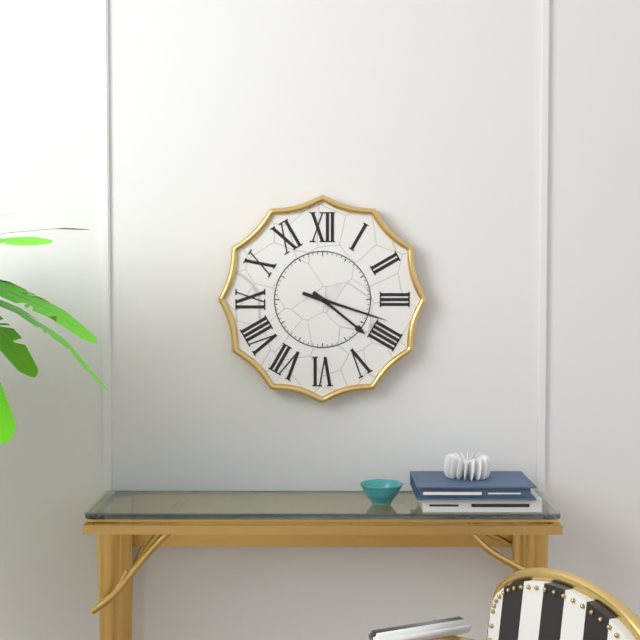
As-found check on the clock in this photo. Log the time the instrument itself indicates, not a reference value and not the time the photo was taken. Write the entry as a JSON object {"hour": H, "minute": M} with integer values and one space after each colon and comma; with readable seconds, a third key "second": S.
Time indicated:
{"hour": 4, "minute": 18}
